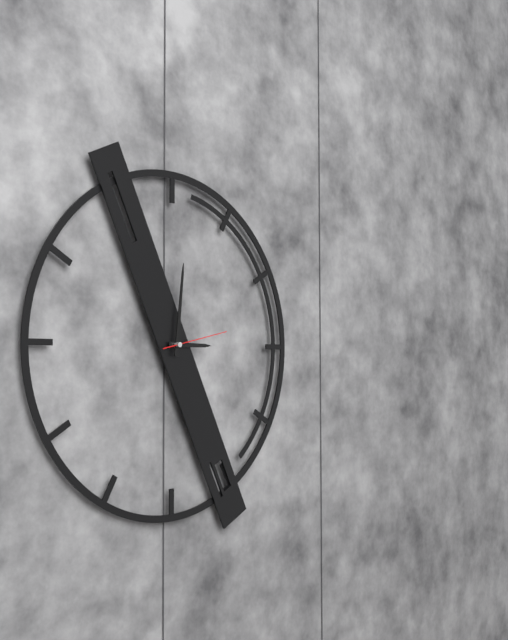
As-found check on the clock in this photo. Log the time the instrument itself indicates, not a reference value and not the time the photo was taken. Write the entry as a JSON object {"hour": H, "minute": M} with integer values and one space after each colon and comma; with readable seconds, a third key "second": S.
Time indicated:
{"hour": 3, "minute": 1, "second": 13}
